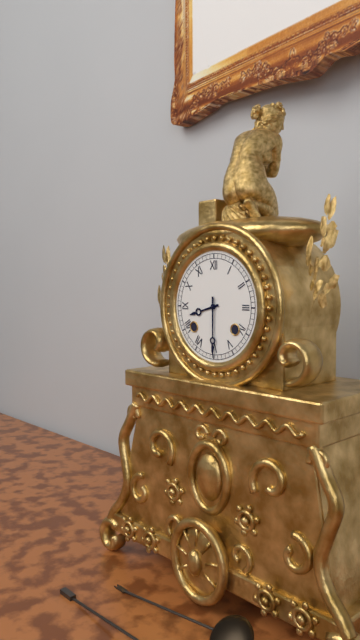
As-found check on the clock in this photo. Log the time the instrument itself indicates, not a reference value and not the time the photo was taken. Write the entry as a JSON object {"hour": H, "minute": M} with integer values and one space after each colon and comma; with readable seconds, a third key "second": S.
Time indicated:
{"hour": 8, "minute": 30}
